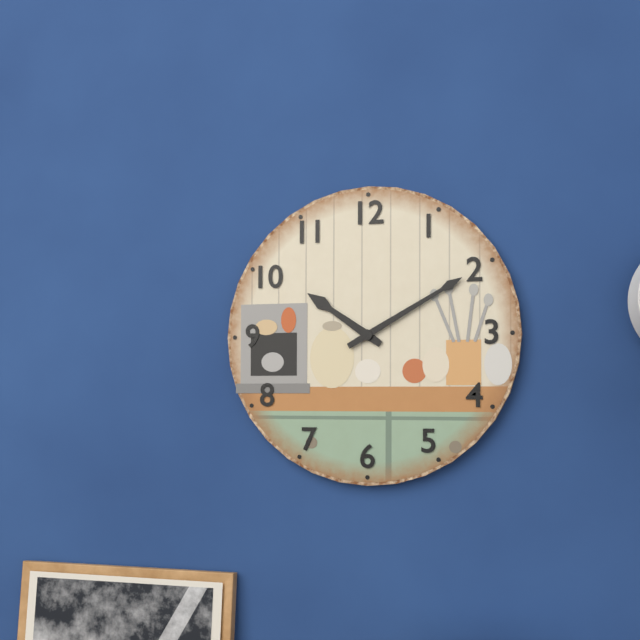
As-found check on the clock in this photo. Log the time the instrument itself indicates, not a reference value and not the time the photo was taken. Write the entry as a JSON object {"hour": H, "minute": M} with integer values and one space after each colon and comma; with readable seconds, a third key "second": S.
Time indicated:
{"hour": 10, "minute": 10}
